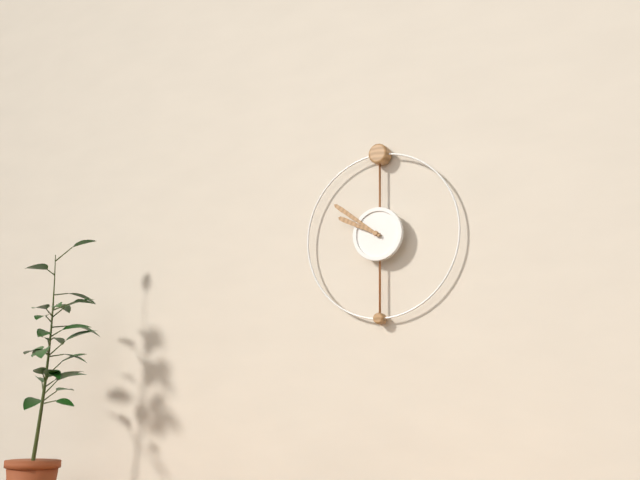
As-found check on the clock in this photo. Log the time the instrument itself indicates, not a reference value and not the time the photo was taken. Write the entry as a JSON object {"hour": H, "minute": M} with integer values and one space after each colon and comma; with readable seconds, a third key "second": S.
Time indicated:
{"hour": 9, "minute": 51}
